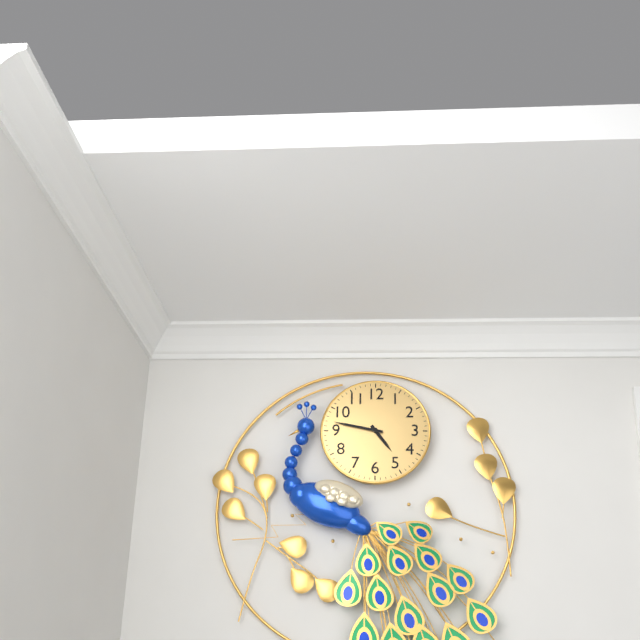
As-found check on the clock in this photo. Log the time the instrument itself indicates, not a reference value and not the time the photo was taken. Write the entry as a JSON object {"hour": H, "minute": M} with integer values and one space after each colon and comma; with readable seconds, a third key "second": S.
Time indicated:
{"hour": 4, "minute": 47}
